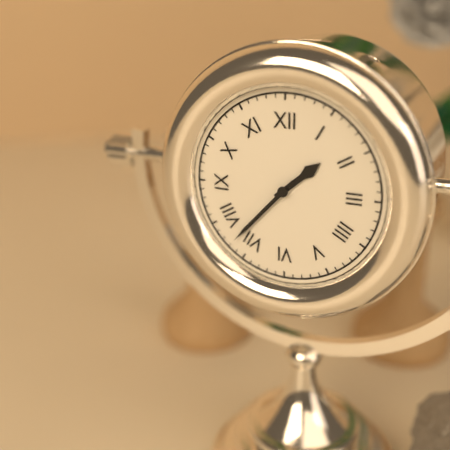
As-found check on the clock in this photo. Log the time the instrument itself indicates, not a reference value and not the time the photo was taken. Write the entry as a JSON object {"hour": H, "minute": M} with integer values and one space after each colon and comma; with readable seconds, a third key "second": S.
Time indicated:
{"hour": 1, "minute": 37}
